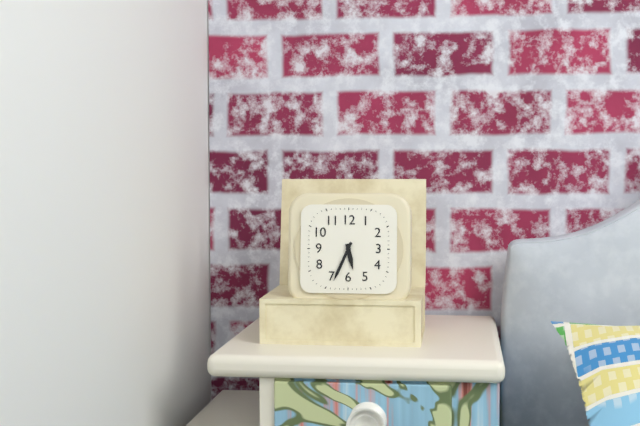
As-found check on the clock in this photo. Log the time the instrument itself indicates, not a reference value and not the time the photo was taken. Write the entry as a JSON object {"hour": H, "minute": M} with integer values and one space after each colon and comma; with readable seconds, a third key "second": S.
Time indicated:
{"hour": 5, "minute": 34}
